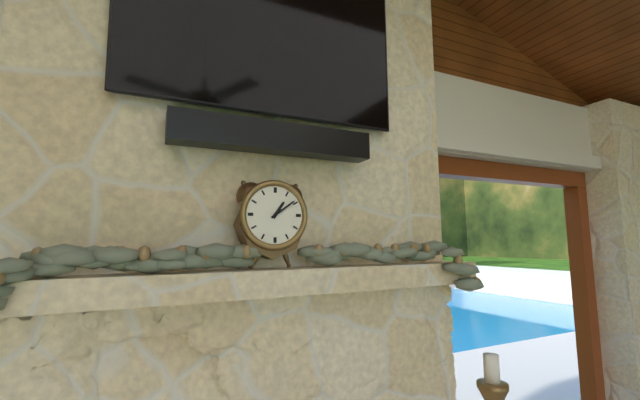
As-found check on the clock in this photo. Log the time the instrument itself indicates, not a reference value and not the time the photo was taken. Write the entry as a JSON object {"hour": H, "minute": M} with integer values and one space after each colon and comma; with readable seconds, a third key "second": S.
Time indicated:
{"hour": 1, "minute": 9}
